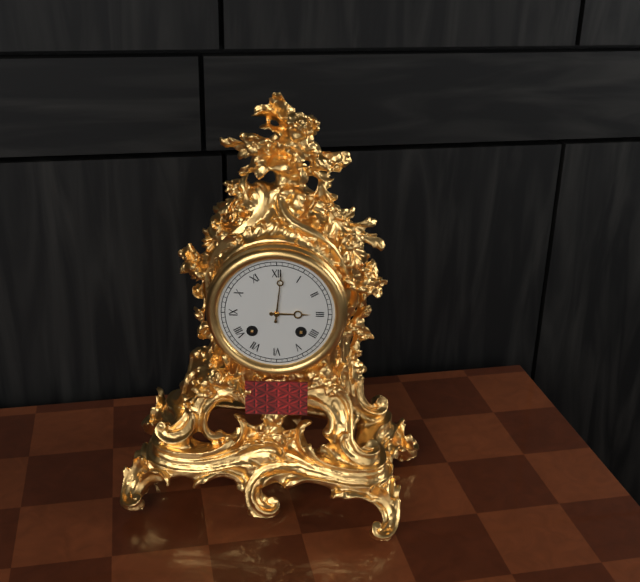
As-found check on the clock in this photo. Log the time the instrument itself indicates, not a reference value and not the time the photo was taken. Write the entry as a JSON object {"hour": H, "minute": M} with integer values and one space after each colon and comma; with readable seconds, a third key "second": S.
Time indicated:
{"hour": 3, "minute": 1}
